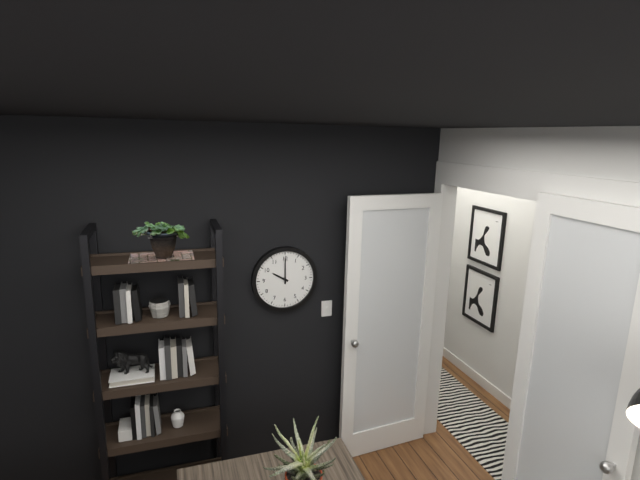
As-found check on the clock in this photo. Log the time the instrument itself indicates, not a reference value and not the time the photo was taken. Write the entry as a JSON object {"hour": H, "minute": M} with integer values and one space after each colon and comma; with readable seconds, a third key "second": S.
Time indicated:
{"hour": 10, "minute": 0}
